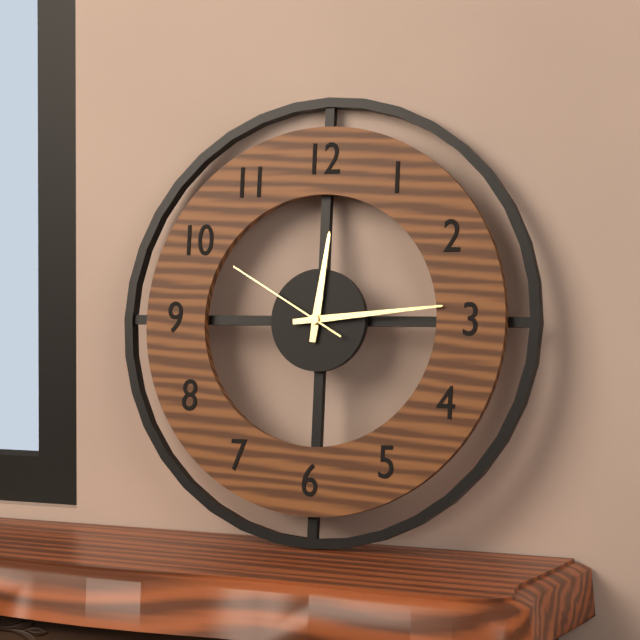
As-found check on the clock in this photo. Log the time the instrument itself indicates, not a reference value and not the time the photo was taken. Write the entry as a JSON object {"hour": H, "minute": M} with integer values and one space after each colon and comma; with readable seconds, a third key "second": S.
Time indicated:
{"hour": 12, "minute": 14, "second": 50}
